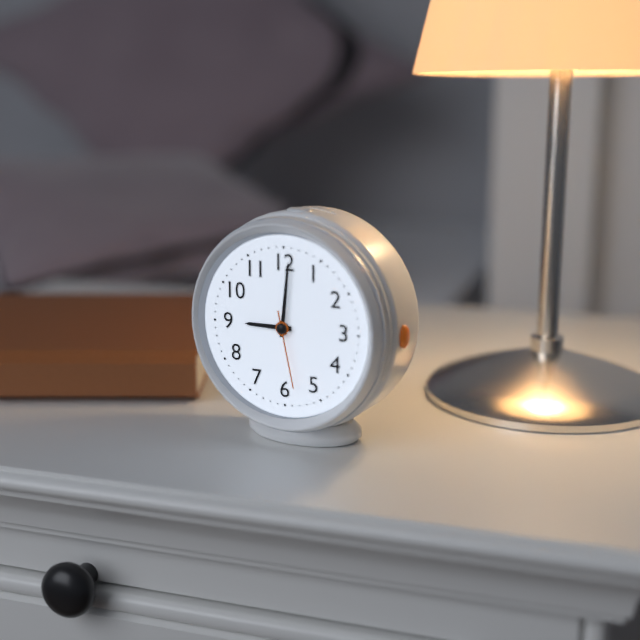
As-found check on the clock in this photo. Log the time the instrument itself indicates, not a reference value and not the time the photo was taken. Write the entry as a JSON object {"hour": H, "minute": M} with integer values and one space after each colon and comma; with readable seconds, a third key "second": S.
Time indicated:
{"hour": 9, "minute": 1, "second": 28}
